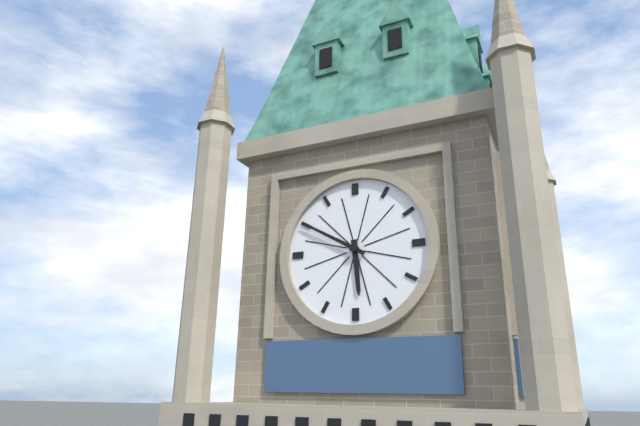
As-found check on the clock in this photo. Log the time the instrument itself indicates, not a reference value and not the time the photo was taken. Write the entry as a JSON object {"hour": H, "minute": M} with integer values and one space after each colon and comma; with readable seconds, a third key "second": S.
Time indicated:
{"hour": 5, "minute": 50}
